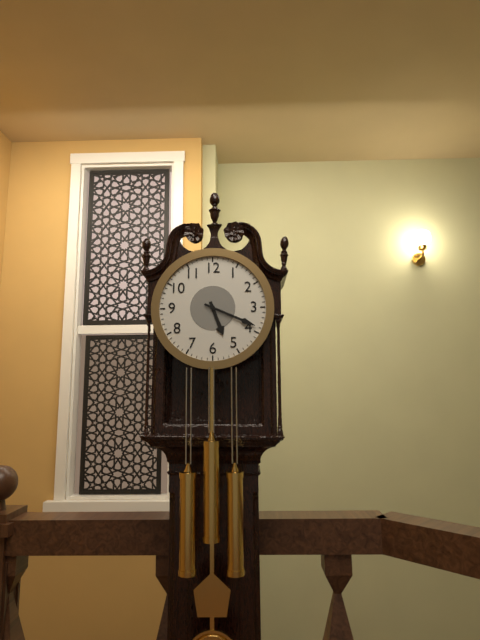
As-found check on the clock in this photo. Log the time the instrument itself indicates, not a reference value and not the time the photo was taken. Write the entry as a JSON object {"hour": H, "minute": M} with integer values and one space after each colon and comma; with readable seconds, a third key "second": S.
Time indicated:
{"hour": 5, "minute": 19}
